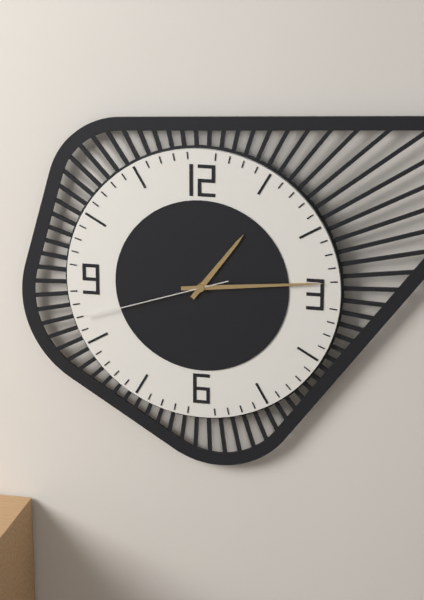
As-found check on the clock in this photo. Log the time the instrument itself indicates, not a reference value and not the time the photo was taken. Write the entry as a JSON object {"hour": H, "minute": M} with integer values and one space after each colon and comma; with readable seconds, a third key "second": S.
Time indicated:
{"hour": 1, "minute": 14, "second": 42}
